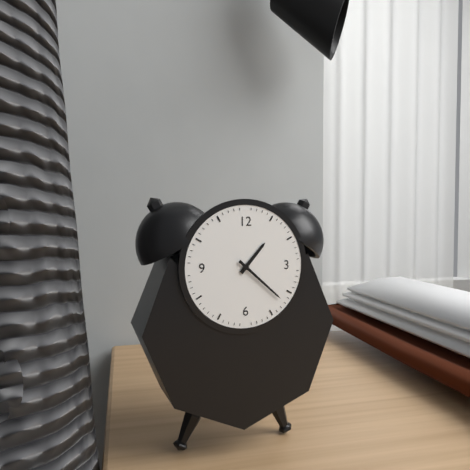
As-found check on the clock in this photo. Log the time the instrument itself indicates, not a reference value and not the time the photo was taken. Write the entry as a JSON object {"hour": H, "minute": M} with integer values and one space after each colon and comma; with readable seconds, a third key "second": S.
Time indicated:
{"hour": 1, "minute": 22}
